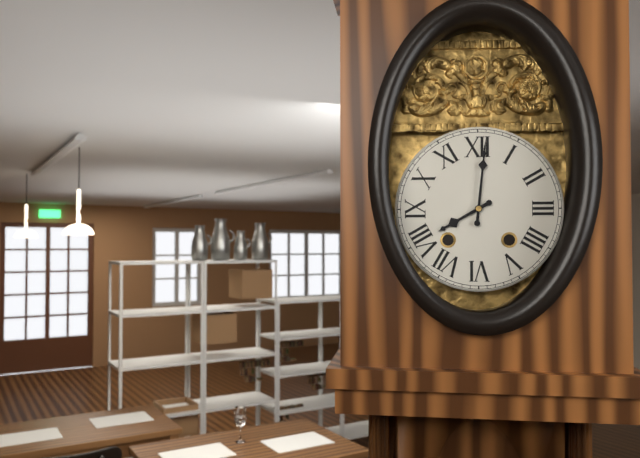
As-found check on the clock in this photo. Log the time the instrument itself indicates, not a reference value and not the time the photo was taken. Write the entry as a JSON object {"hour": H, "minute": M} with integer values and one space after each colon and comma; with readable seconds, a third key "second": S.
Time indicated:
{"hour": 8, "minute": 1}
